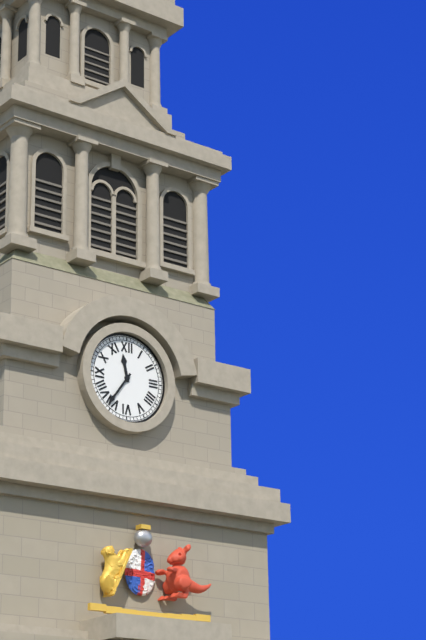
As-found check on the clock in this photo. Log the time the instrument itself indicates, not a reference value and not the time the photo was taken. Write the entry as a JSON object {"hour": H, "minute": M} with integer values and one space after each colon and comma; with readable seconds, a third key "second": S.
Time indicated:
{"hour": 11, "minute": 36}
